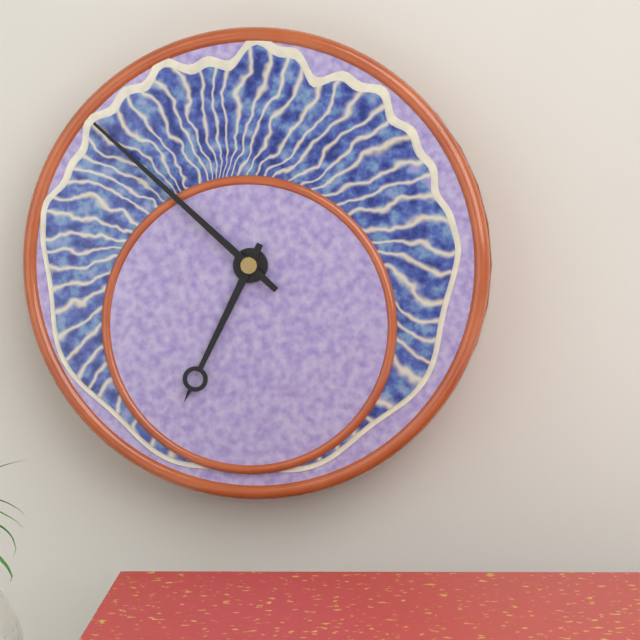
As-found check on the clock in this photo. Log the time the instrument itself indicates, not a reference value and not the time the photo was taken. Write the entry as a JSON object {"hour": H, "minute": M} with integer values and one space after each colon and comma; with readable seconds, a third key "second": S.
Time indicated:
{"hour": 6, "minute": 52}
